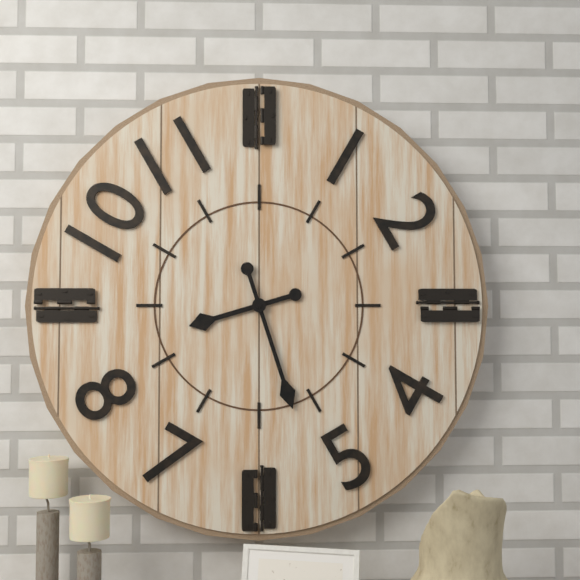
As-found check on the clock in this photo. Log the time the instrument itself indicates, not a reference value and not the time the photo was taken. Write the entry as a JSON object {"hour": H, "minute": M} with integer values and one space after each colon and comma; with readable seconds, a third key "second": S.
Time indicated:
{"hour": 8, "minute": 27}
